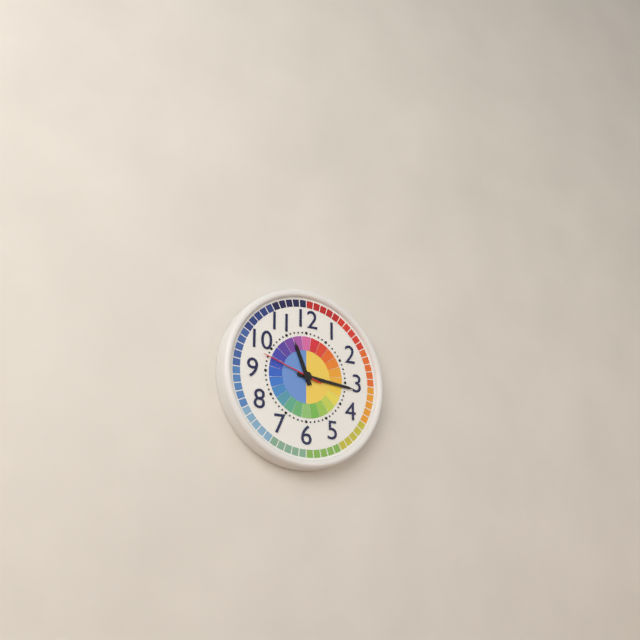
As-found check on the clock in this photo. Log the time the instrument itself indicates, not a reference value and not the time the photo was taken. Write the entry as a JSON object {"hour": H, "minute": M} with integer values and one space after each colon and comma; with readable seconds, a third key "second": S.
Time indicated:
{"hour": 11, "minute": 16, "second": 48}
